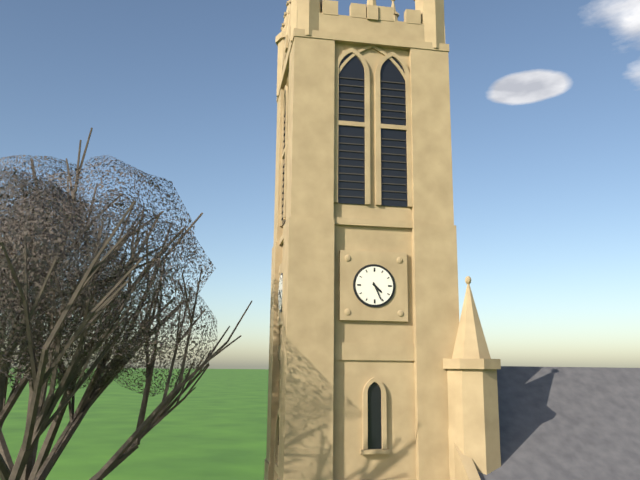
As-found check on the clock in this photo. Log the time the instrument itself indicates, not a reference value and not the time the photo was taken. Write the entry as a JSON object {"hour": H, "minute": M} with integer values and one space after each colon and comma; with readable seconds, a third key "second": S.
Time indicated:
{"hour": 4, "minute": 26}
